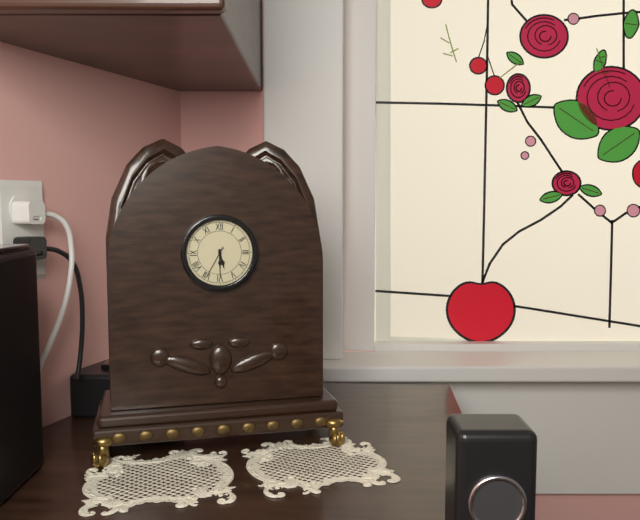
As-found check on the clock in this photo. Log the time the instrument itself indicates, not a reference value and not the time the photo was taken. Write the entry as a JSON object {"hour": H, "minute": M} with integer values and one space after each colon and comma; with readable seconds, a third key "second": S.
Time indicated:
{"hour": 5, "minute": 30}
